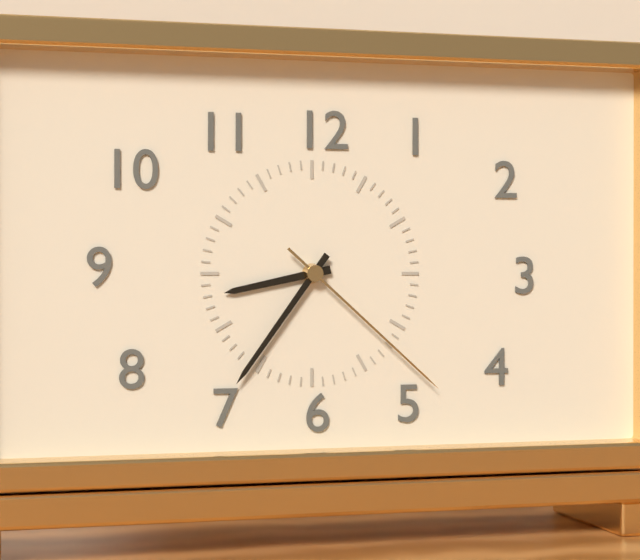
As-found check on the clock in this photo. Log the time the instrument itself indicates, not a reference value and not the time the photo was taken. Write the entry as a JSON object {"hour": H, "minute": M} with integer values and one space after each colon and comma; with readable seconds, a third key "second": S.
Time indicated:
{"hour": 8, "minute": 36, "second": 22}
